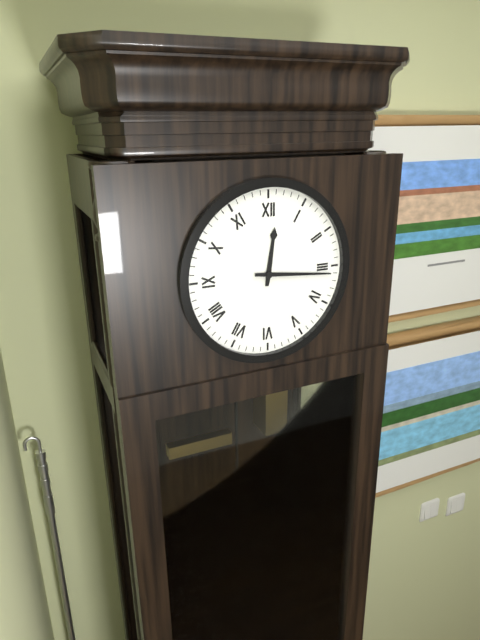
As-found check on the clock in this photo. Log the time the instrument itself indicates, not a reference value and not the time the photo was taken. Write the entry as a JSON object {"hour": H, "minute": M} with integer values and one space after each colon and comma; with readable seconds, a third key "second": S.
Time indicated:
{"hour": 12, "minute": 16}
